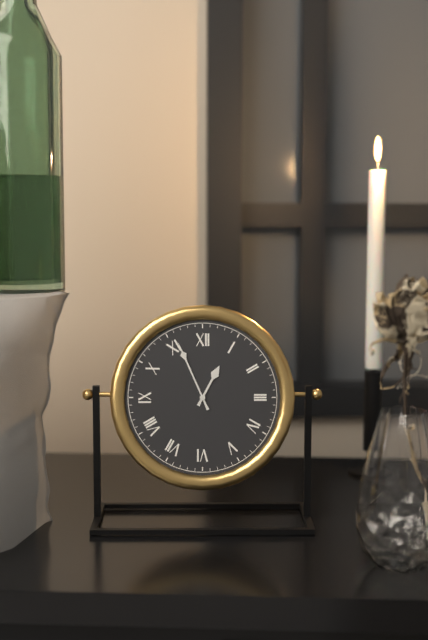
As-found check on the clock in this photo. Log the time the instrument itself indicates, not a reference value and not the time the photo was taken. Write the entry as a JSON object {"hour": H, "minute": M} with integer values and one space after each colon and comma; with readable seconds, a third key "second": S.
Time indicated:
{"hour": 12, "minute": 56}
